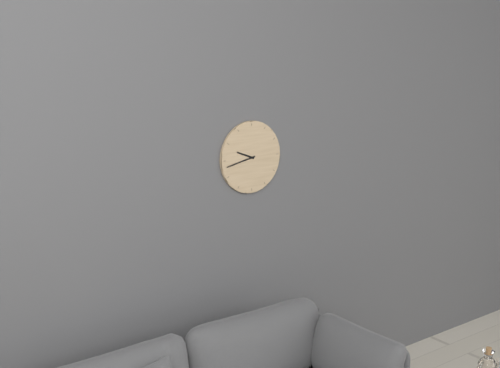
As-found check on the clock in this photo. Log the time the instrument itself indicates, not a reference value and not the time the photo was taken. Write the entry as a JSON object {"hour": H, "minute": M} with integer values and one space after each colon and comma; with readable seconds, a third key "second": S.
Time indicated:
{"hour": 9, "minute": 43}
